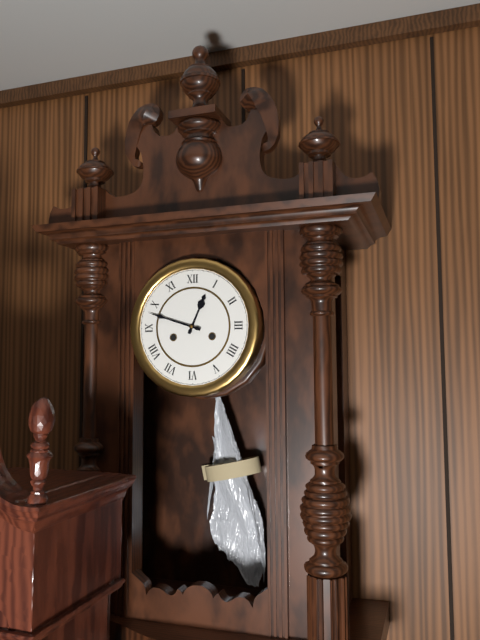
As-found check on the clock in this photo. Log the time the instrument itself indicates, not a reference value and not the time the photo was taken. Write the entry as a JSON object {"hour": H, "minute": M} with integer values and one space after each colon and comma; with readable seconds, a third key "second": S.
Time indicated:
{"hour": 12, "minute": 48}
